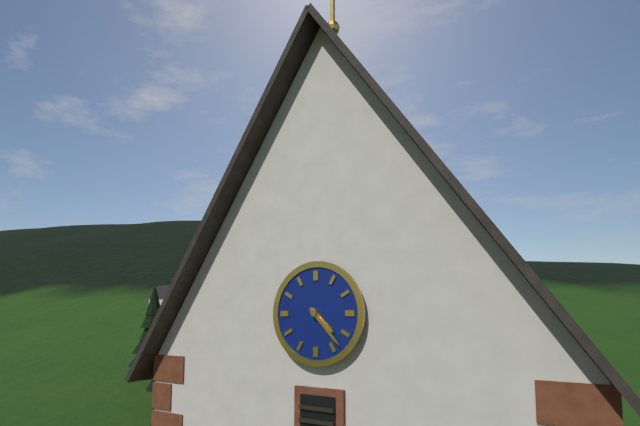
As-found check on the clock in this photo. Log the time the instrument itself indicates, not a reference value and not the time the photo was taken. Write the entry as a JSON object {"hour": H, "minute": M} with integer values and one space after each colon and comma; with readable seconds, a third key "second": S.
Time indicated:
{"hour": 4, "minute": 23}
